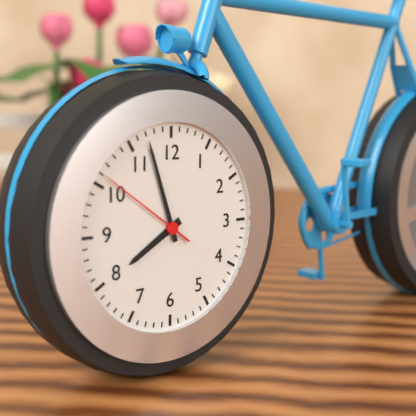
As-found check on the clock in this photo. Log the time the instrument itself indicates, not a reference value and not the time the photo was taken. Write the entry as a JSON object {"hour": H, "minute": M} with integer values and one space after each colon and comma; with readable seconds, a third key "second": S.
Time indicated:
{"hour": 7, "minute": 57, "second": 51}
